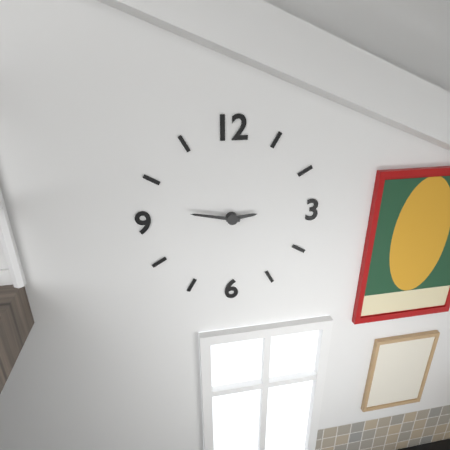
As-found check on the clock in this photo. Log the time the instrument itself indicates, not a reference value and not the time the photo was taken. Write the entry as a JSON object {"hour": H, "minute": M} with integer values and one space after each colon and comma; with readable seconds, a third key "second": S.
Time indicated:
{"hour": 2, "minute": 47}
